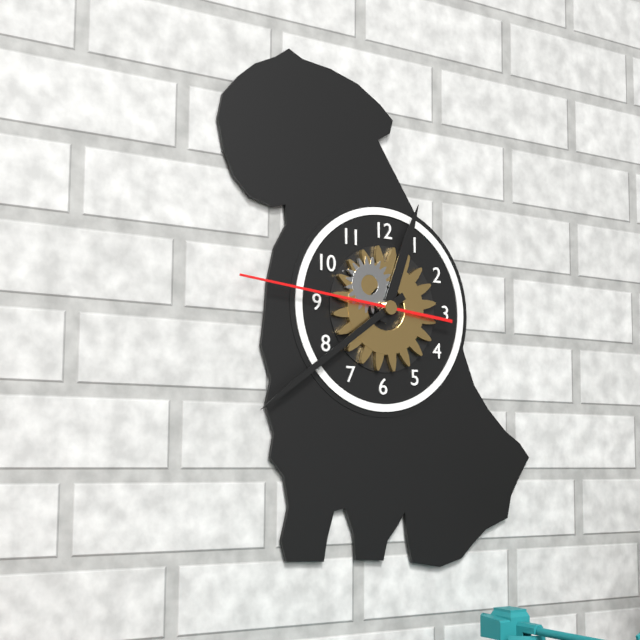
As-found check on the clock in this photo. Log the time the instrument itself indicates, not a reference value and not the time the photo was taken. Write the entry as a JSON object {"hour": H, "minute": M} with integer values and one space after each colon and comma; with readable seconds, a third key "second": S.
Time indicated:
{"hour": 12, "minute": 39, "second": 46}
